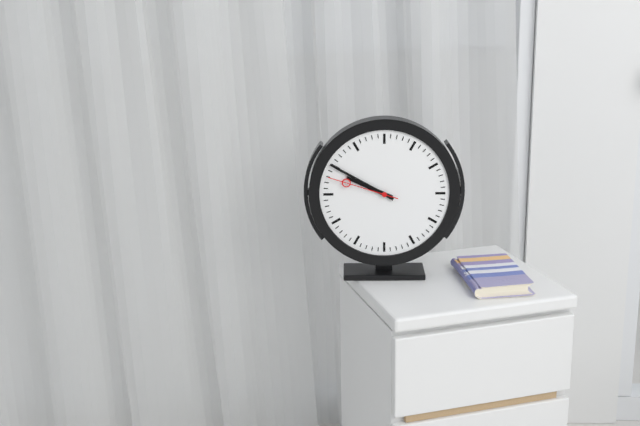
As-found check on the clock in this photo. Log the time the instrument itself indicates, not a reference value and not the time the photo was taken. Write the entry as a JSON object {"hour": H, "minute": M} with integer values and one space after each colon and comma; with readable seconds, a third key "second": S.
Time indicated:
{"hour": 9, "minute": 50, "second": 48}
